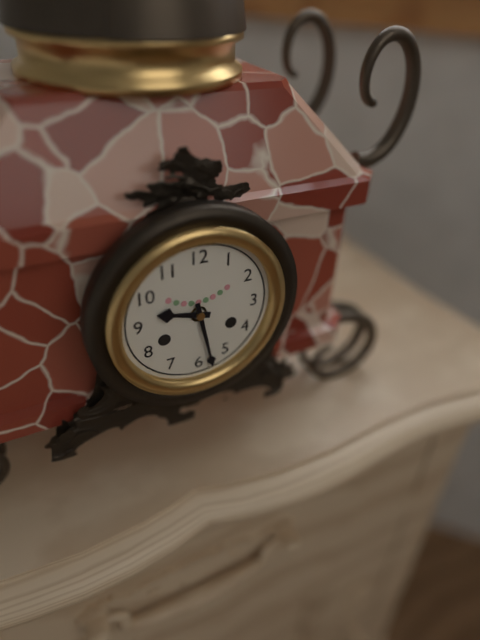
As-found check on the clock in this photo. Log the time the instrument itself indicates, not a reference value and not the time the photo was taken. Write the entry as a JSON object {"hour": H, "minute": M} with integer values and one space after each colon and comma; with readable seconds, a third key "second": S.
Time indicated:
{"hour": 9, "minute": 28}
